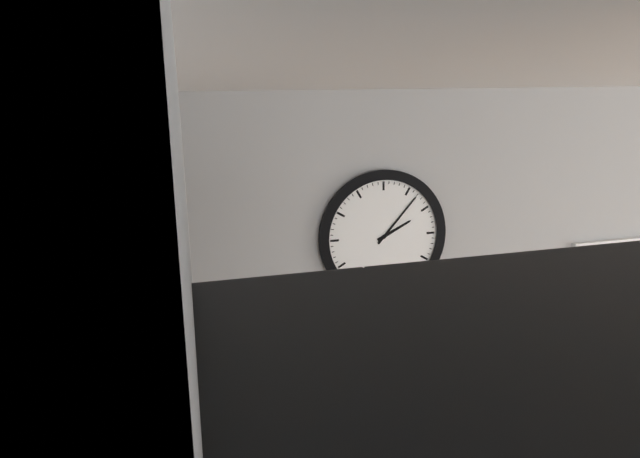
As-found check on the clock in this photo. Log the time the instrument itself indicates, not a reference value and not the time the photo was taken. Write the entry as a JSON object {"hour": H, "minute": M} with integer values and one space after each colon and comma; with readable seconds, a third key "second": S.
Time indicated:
{"hour": 2, "minute": 7}
